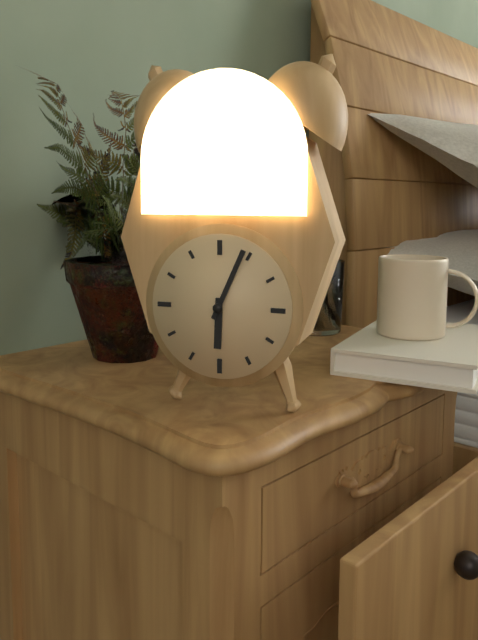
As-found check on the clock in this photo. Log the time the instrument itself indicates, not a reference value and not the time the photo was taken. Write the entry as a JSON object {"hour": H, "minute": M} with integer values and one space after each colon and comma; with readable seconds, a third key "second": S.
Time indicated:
{"hour": 6, "minute": 4}
